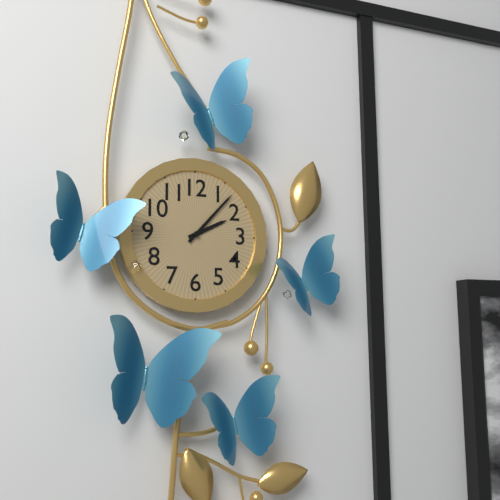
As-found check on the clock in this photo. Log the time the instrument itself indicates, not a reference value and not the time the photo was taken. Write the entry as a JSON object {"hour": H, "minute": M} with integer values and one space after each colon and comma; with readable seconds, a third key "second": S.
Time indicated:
{"hour": 2, "minute": 7}
